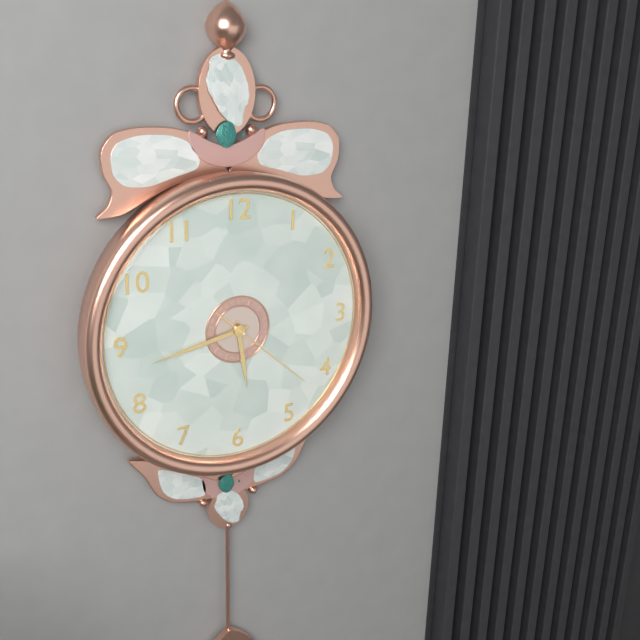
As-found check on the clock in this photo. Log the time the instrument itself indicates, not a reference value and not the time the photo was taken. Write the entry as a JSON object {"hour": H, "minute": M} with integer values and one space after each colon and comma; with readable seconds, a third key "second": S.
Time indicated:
{"hour": 5, "minute": 43, "second": 22}
